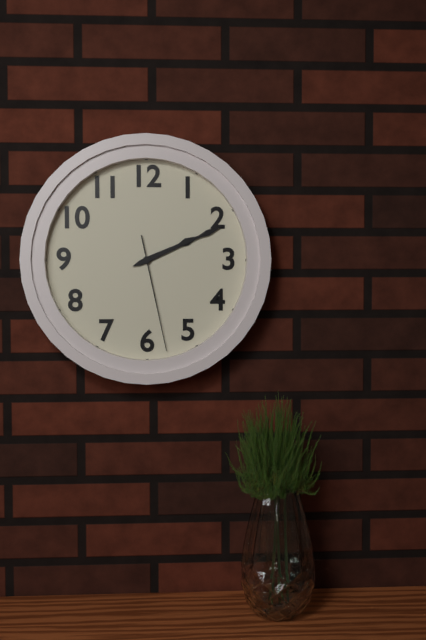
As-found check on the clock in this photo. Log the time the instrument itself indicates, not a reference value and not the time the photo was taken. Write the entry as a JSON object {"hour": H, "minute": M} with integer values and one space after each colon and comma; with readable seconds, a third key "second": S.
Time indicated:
{"hour": 2, "minute": 11, "second": 28}
